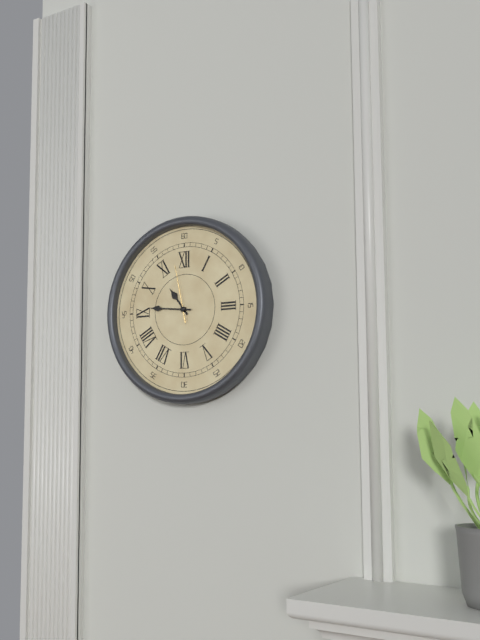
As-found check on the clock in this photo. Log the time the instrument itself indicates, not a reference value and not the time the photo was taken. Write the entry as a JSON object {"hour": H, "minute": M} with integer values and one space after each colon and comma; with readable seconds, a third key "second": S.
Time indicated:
{"hour": 10, "minute": 46, "second": 58}
